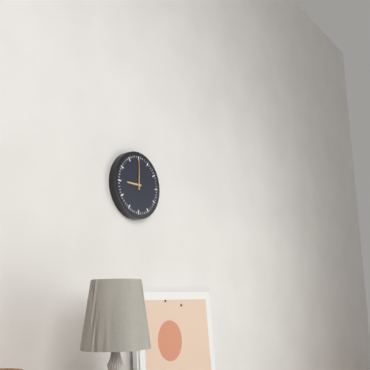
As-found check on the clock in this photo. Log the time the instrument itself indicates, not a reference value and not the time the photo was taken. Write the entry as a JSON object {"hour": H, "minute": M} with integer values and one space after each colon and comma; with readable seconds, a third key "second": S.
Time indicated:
{"hour": 9, "minute": 0}
